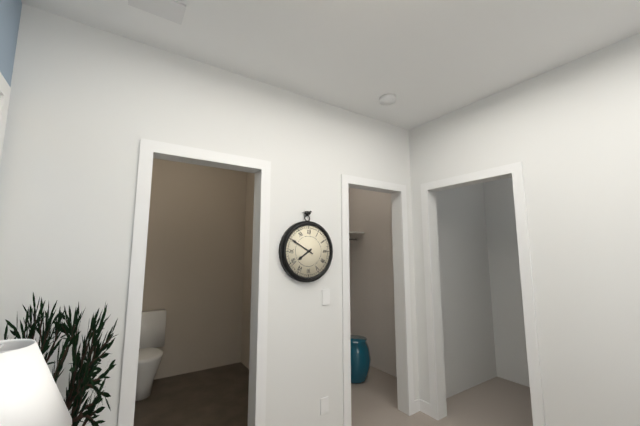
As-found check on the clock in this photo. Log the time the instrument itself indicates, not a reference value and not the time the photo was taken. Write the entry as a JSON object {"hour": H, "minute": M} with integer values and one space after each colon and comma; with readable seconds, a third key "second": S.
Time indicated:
{"hour": 7, "minute": 50}
